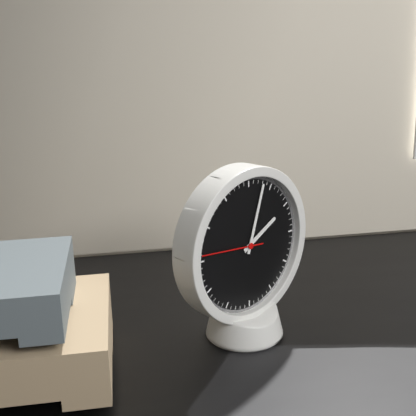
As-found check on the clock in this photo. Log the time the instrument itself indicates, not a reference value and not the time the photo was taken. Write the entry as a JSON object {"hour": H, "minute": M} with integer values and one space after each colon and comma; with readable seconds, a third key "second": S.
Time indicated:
{"hour": 2, "minute": 3, "second": 46}
